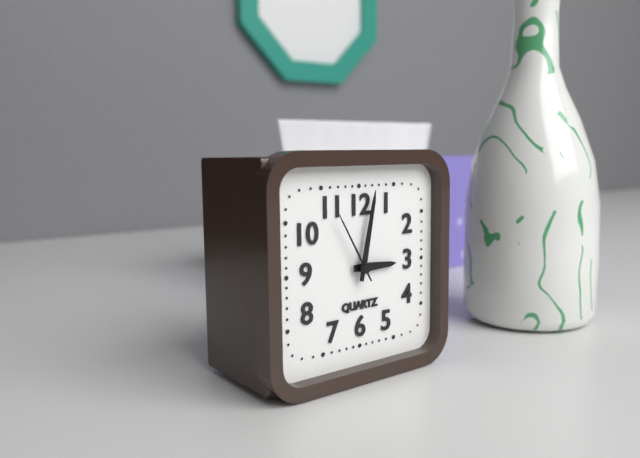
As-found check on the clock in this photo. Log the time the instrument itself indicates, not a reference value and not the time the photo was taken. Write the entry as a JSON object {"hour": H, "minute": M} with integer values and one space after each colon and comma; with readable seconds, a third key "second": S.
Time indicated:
{"hour": 3, "minute": 2, "second": 55}
